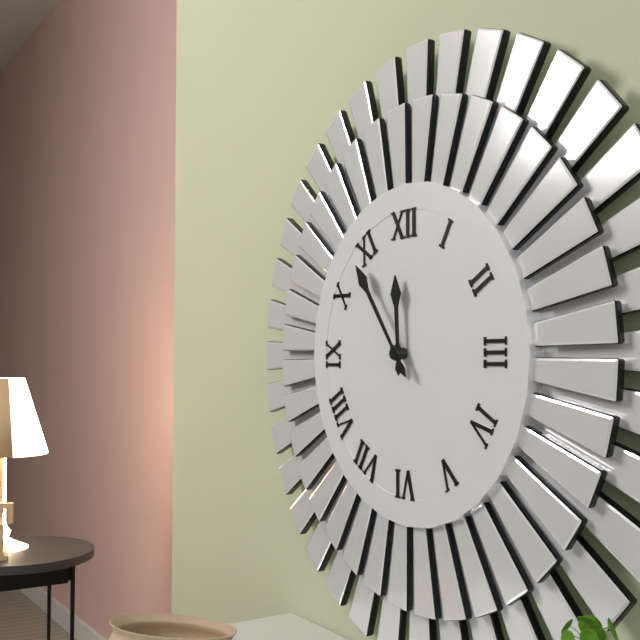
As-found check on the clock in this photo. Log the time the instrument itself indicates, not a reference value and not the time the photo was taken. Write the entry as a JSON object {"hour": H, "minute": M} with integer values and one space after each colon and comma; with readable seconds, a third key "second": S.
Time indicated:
{"hour": 11, "minute": 54}
